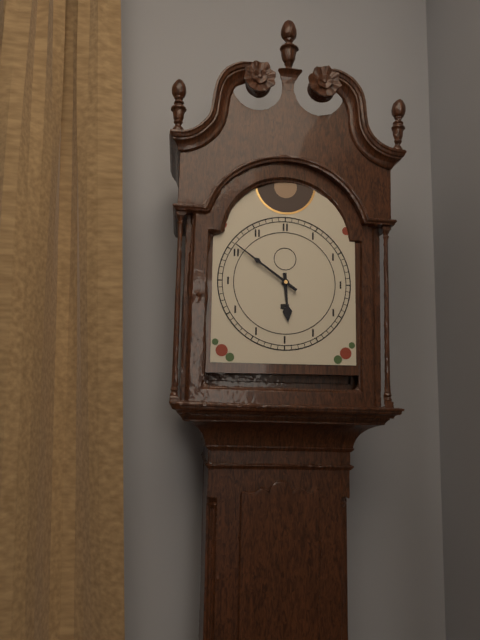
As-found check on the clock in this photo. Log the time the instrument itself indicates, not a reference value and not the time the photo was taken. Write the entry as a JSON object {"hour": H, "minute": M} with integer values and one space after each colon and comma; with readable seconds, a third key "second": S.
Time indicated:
{"hour": 5, "minute": 51}
